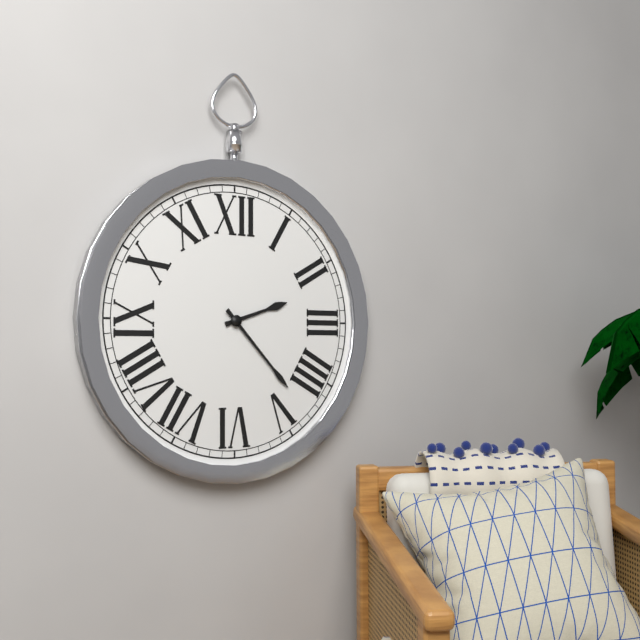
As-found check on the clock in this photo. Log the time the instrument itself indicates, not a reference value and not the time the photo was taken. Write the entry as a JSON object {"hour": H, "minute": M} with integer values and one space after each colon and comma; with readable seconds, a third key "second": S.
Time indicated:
{"hour": 2, "minute": 23}
